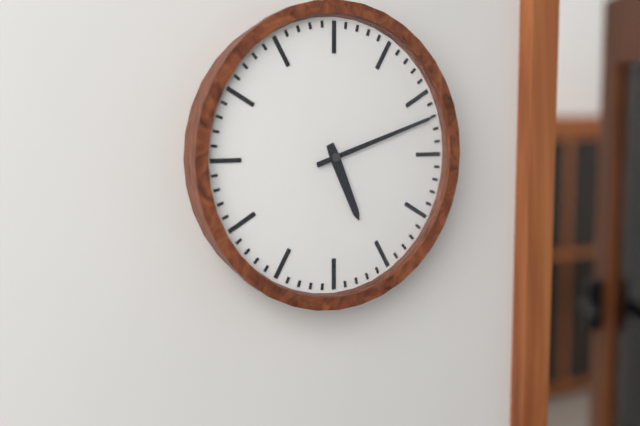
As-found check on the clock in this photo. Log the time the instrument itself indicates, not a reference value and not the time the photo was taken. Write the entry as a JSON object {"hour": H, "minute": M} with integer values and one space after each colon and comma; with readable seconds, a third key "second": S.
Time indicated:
{"hour": 5, "minute": 12}
